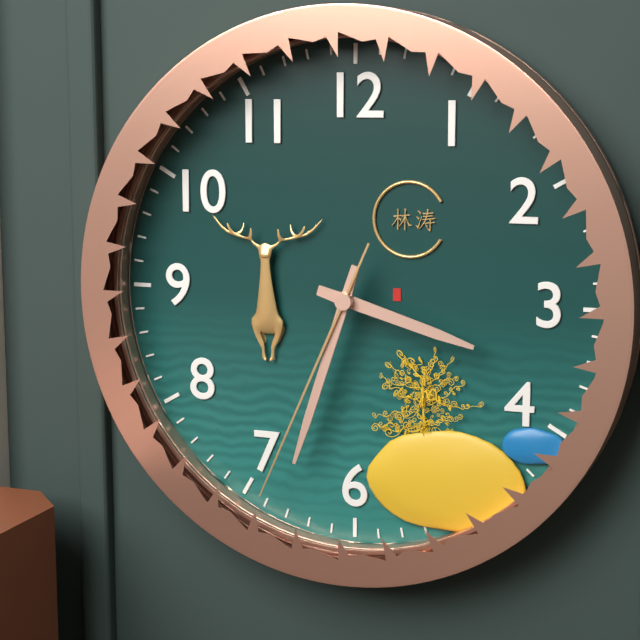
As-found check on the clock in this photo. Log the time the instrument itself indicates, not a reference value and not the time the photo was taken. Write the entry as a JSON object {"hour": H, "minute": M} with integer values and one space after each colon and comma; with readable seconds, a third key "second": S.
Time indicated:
{"hour": 3, "minute": 33, "second": 34}
